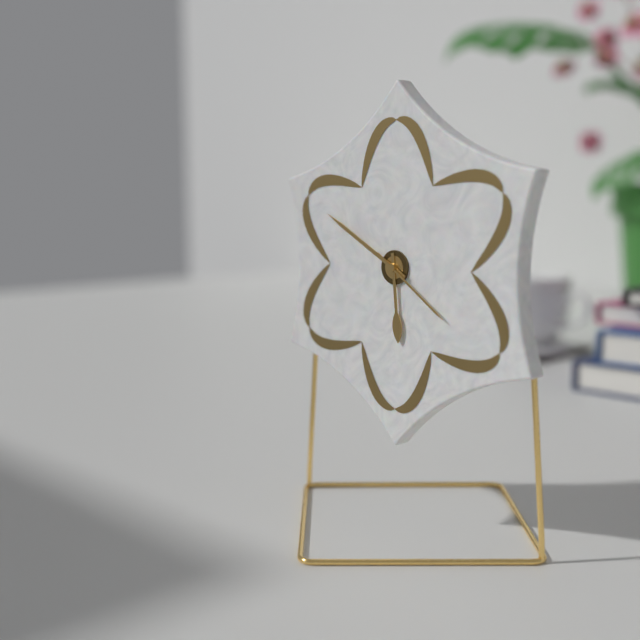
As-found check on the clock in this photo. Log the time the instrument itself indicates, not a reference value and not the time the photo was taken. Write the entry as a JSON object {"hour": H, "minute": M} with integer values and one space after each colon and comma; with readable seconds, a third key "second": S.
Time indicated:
{"hour": 5, "minute": 50, "second": 21}
